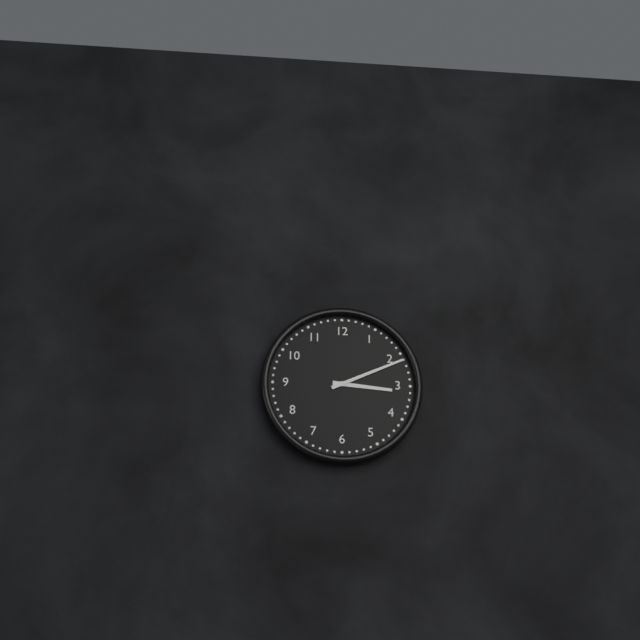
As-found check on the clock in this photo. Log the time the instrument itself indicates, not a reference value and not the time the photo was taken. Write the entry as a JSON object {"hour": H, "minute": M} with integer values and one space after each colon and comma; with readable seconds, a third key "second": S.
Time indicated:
{"hour": 3, "minute": 11}
